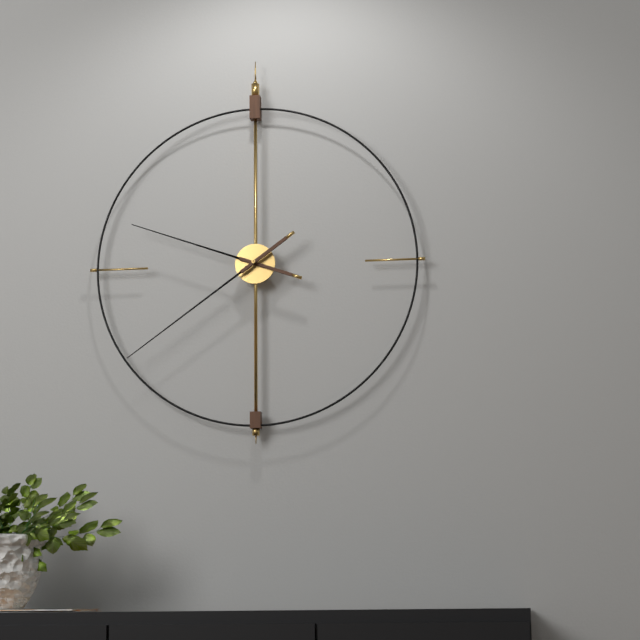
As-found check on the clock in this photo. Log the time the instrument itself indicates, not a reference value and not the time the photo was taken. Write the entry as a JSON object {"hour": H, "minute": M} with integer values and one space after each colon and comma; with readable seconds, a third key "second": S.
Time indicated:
{"hour": 9, "minute": 39}
